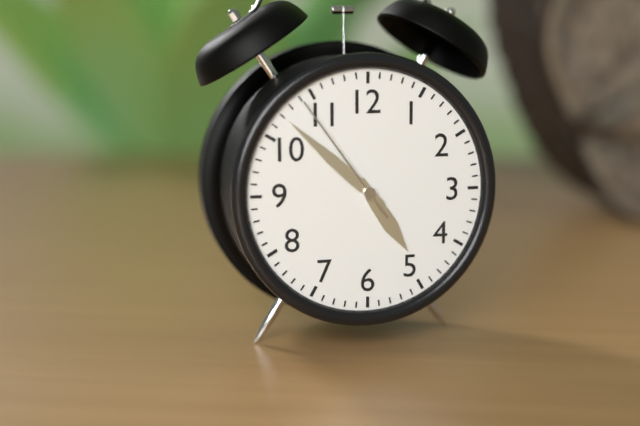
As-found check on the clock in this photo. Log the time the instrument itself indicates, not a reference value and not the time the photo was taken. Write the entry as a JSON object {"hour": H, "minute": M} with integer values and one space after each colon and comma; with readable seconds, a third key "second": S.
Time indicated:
{"hour": 4, "minute": 52, "second": 54}
